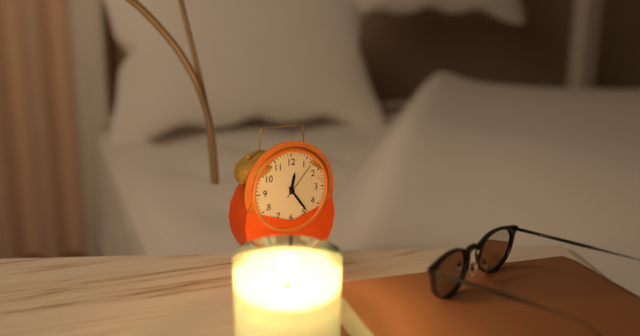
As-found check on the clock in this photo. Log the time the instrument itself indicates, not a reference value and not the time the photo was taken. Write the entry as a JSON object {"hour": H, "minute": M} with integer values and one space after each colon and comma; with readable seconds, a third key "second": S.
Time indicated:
{"hour": 12, "minute": 24}
